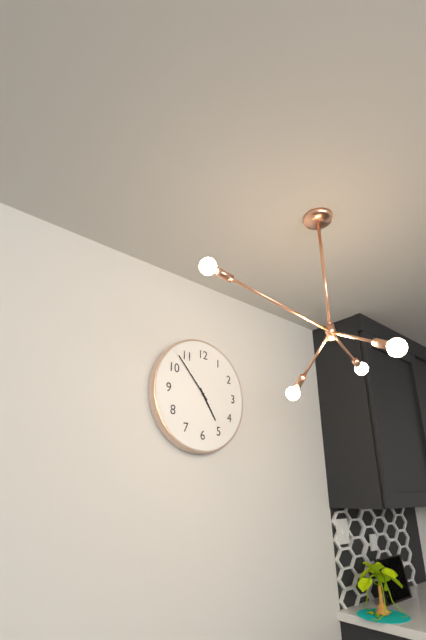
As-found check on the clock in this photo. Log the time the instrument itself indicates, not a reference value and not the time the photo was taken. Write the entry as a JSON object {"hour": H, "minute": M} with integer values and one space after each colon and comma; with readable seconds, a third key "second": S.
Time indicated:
{"hour": 4, "minute": 53}
